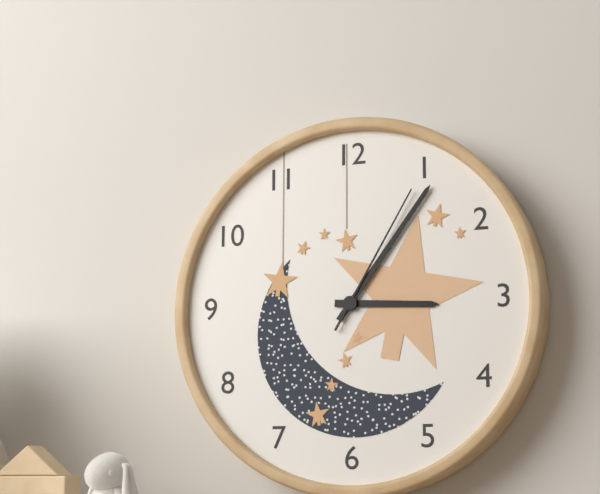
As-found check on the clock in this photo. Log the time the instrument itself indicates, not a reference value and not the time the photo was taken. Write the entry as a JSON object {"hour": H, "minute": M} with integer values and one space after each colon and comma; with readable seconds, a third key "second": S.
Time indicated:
{"hour": 3, "minute": 6, "second": 5}
